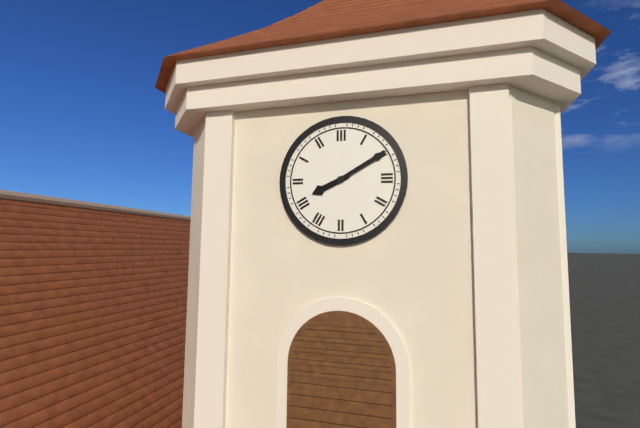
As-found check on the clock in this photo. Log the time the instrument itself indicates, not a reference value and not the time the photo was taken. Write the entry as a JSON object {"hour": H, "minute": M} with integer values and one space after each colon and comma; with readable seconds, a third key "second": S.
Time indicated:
{"hour": 8, "minute": 10}
